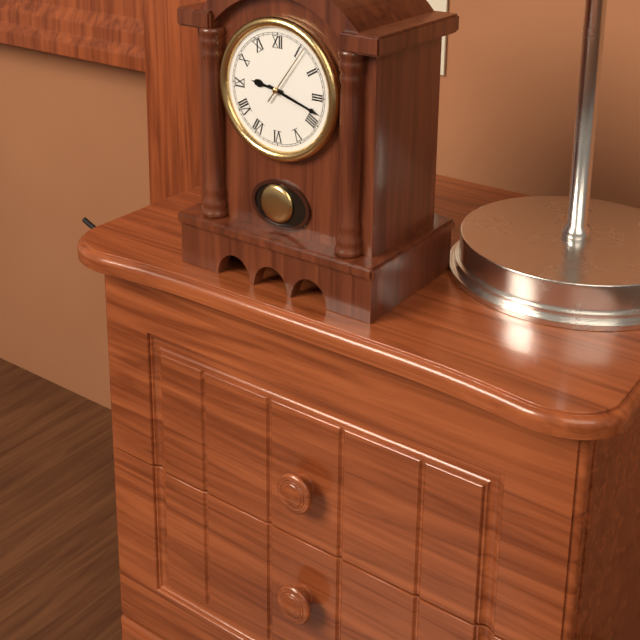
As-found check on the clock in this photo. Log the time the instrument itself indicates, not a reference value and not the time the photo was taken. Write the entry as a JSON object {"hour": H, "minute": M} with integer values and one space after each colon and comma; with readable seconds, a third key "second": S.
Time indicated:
{"hour": 9, "minute": 18, "second": 6}
